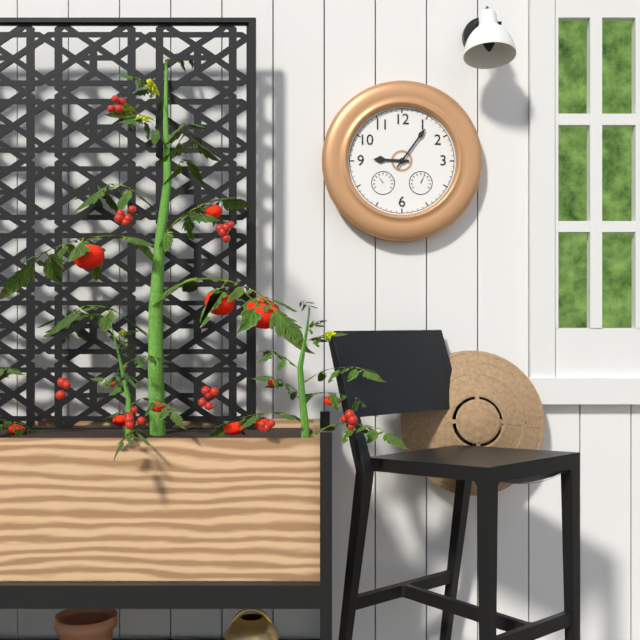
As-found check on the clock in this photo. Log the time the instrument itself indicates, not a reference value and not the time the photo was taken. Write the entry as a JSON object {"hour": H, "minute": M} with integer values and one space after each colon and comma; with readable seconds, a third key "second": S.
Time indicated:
{"hour": 9, "minute": 6}
